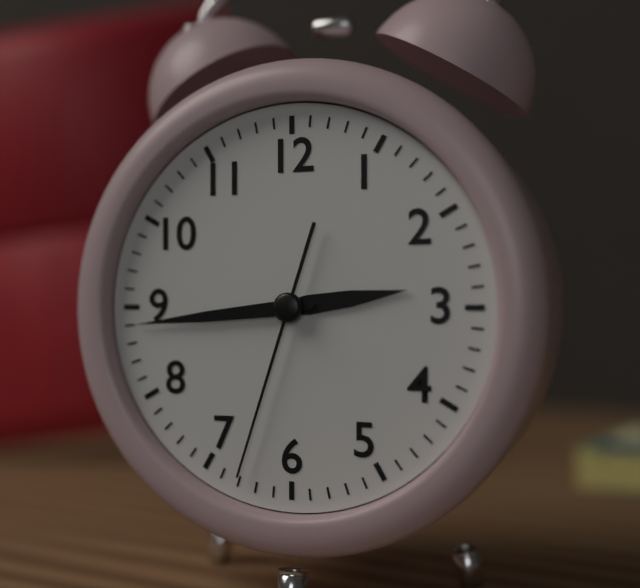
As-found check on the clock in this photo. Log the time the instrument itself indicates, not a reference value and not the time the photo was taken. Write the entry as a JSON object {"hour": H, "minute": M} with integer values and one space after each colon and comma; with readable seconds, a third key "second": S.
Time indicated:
{"hour": 2, "minute": 44, "second": 33}
